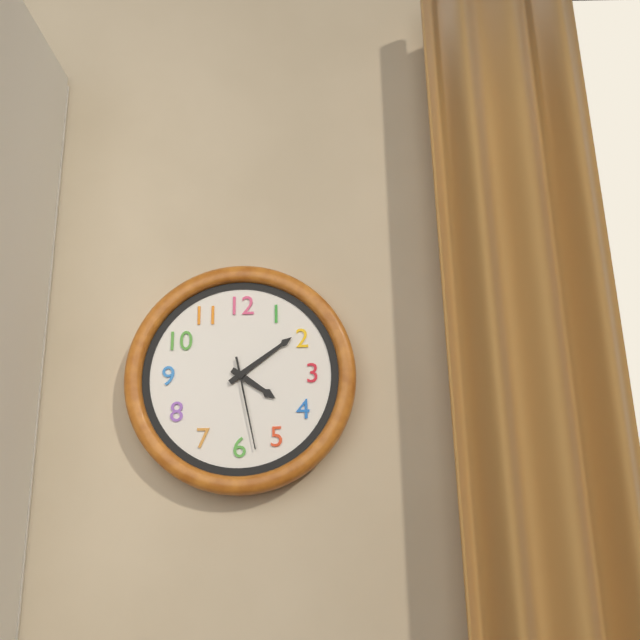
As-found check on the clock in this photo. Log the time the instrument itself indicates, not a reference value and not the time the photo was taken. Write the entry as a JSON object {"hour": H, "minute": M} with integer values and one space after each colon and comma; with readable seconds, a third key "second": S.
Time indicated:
{"hour": 4, "minute": 9, "second": 28}
